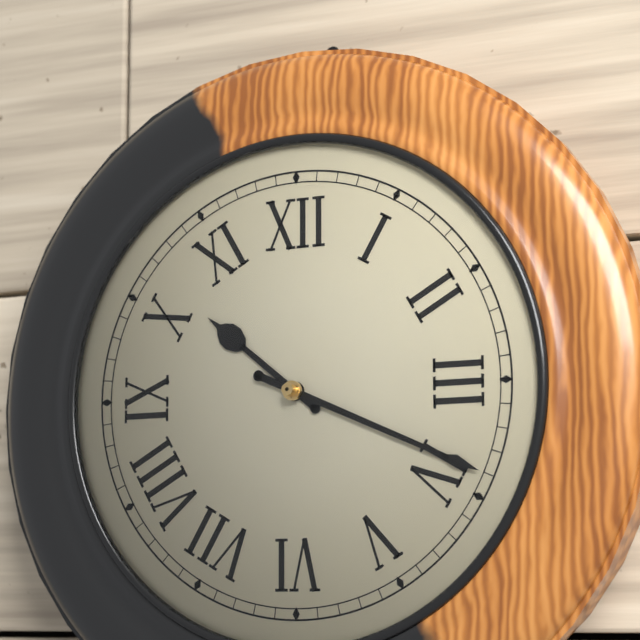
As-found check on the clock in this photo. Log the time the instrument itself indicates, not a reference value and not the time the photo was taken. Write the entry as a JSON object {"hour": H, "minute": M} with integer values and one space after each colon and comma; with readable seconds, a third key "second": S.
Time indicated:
{"hour": 10, "minute": 19}
